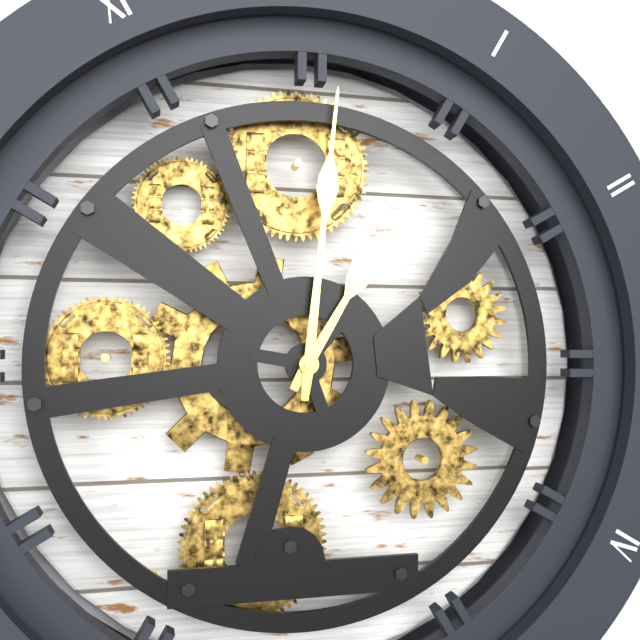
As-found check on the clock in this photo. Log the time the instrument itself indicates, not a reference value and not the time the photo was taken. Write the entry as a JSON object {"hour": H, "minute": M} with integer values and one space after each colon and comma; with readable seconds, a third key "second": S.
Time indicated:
{"hour": 1, "minute": 1}
